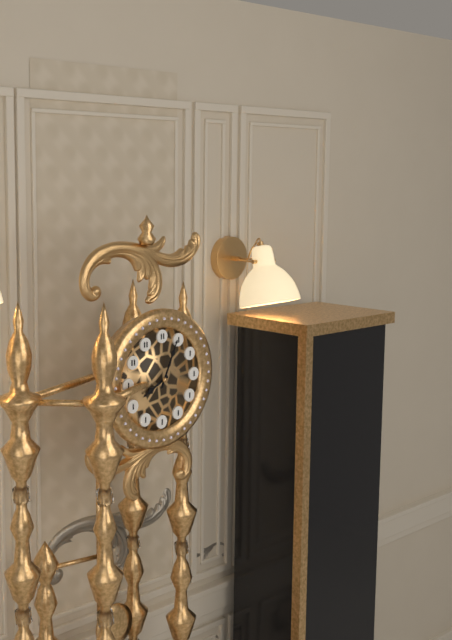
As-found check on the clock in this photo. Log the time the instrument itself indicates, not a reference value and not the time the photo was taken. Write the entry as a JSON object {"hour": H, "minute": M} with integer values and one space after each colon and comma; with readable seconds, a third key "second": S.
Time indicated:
{"hour": 8, "minute": 4}
